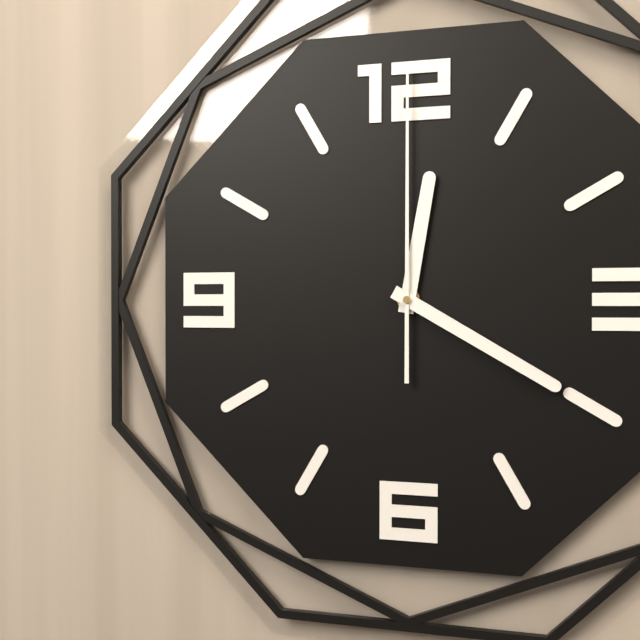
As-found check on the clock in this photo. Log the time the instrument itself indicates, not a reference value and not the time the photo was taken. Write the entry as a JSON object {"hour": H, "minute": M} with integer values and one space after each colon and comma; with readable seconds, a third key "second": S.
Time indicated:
{"hour": 12, "minute": 20, "second": 0}
